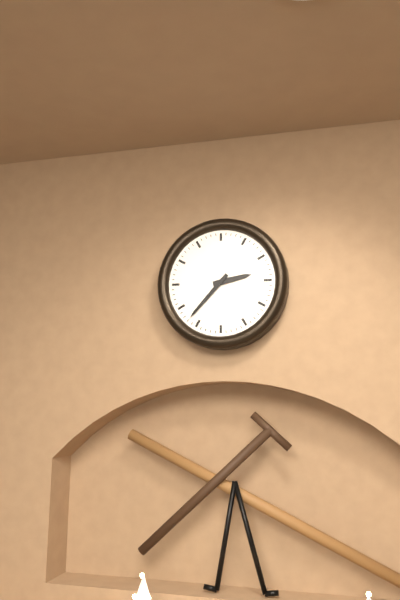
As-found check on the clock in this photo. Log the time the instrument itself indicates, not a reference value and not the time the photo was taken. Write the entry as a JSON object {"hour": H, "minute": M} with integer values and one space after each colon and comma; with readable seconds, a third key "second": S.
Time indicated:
{"hour": 2, "minute": 37}
